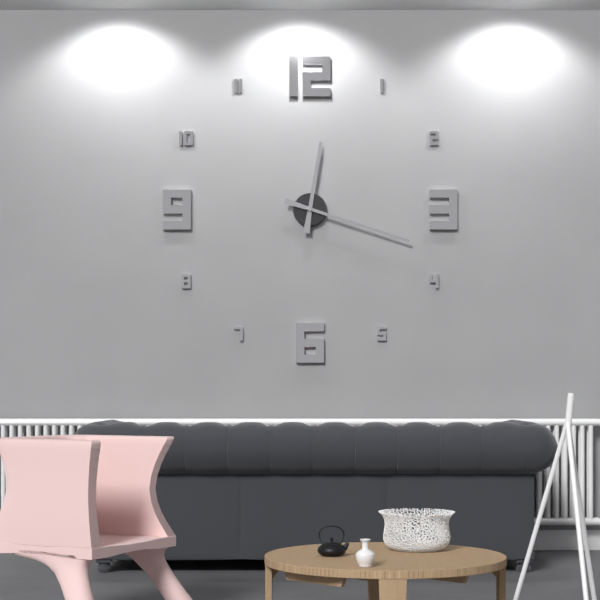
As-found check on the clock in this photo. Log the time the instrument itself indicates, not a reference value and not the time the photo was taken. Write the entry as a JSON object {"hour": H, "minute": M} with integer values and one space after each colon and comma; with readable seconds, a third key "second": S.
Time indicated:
{"hour": 12, "minute": 18}
